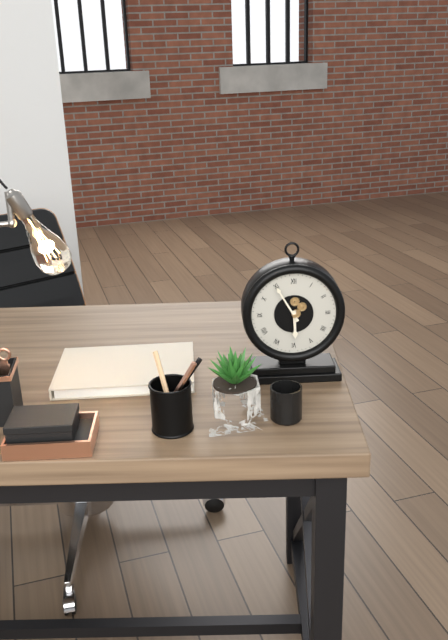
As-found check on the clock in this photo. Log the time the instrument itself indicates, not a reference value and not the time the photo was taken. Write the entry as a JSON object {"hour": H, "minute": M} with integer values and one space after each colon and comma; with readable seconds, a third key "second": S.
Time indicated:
{"hour": 5, "minute": 55}
